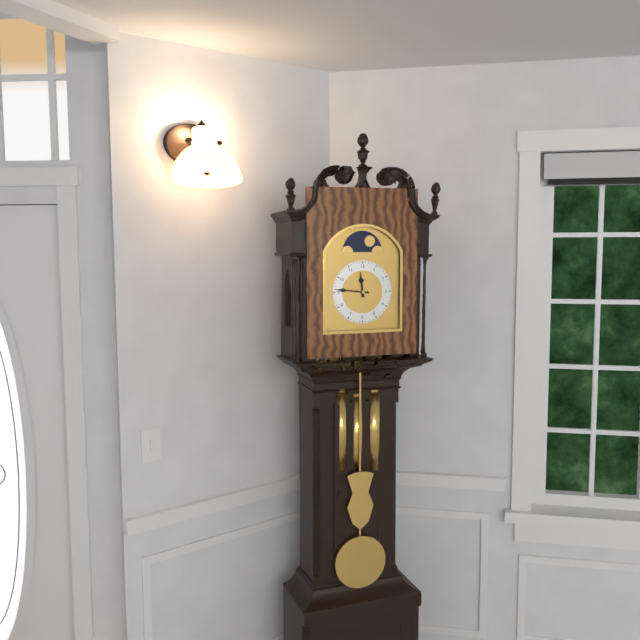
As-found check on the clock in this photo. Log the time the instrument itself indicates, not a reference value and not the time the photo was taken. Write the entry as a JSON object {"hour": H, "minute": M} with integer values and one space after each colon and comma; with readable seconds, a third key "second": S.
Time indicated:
{"hour": 11, "minute": 46}
